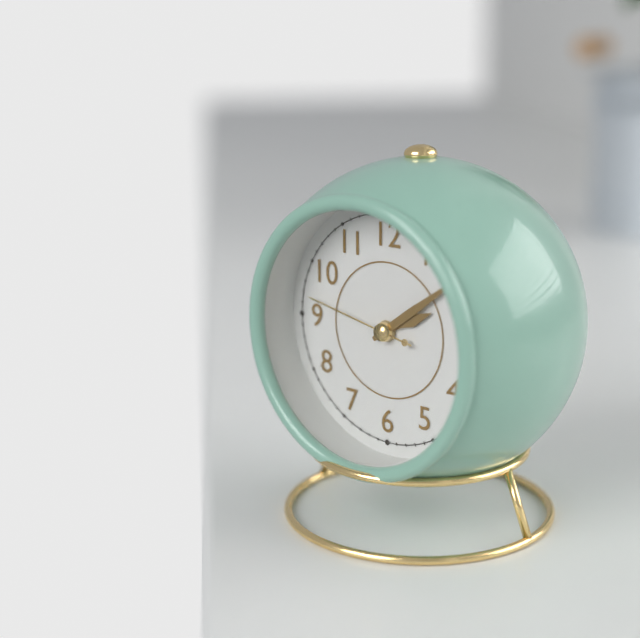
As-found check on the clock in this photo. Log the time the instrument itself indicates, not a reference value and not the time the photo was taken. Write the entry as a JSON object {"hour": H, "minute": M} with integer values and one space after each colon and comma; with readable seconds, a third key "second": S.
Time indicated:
{"hour": 2, "minute": 9, "second": 47}
